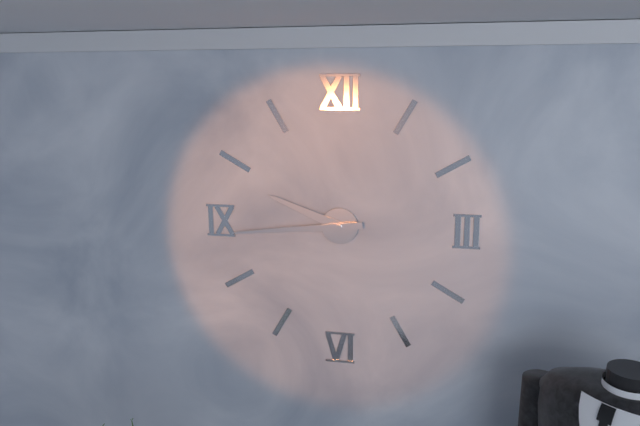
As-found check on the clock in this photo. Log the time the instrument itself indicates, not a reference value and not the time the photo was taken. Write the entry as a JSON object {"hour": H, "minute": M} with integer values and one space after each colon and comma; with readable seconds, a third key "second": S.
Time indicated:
{"hour": 9, "minute": 44}
